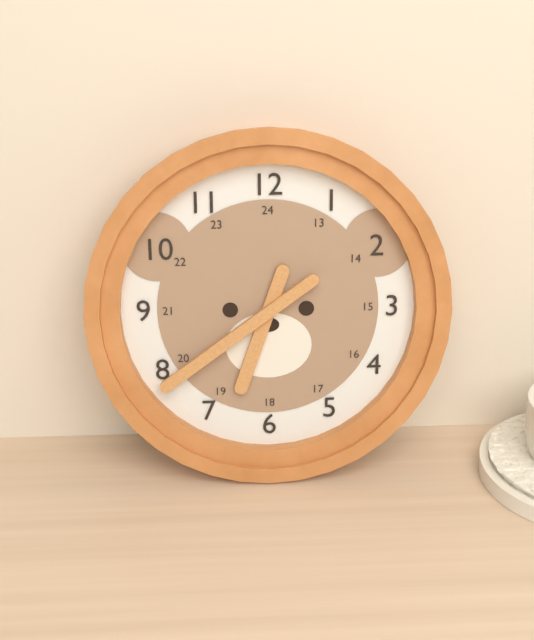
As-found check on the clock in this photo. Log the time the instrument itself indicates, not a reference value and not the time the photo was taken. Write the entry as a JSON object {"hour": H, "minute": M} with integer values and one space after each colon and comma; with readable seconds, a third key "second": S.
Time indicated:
{"hour": 6, "minute": 39}
